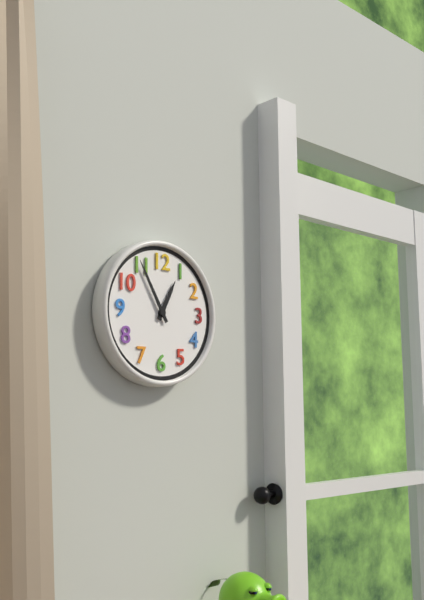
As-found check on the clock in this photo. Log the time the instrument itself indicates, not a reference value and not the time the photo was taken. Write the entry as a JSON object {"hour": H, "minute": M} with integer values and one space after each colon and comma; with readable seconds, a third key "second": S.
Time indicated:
{"hour": 12, "minute": 55}
